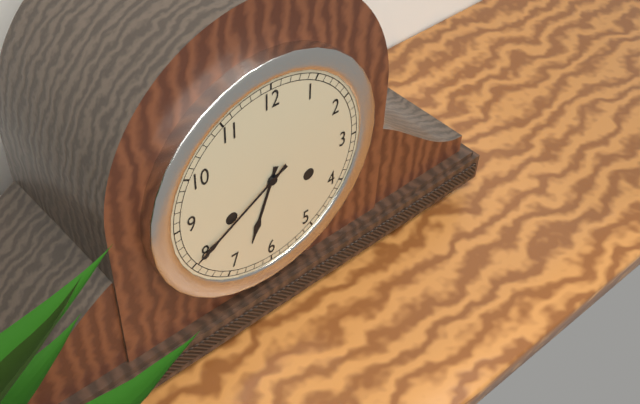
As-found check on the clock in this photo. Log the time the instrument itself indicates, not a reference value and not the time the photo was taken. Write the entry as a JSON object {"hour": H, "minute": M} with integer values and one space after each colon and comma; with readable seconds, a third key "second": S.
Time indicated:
{"hour": 6, "minute": 40}
